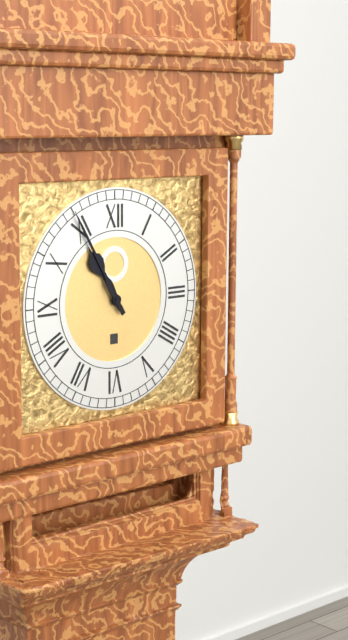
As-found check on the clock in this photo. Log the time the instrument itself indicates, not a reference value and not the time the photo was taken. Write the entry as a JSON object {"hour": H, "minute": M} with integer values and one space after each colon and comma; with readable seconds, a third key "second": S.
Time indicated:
{"hour": 10, "minute": 55}
